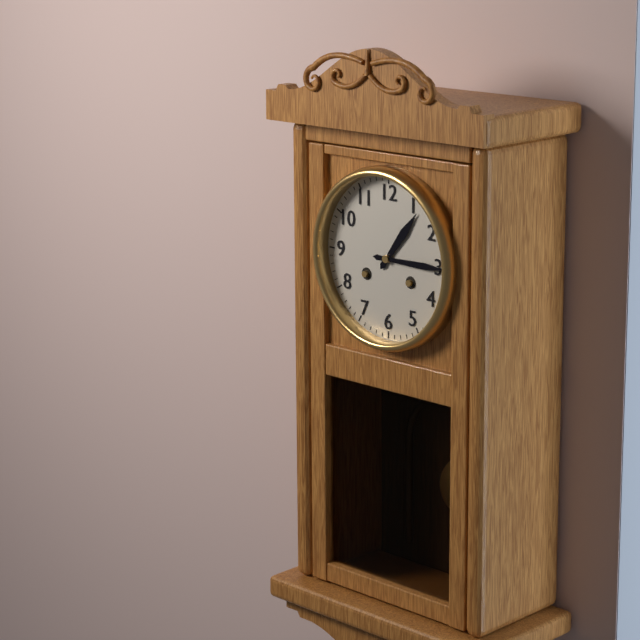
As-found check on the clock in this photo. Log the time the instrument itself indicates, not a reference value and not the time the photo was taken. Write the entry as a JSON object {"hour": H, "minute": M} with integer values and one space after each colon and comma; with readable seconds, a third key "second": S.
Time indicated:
{"hour": 1, "minute": 15}
